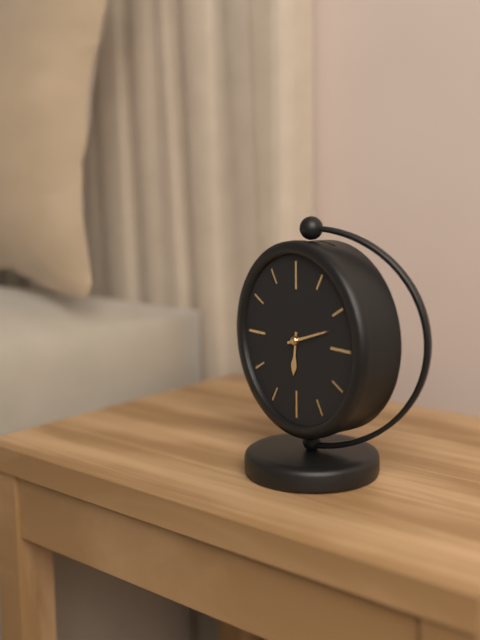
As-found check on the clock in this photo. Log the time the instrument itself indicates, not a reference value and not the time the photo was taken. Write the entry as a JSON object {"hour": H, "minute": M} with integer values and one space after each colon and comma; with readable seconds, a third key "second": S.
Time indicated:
{"hour": 6, "minute": 12}
